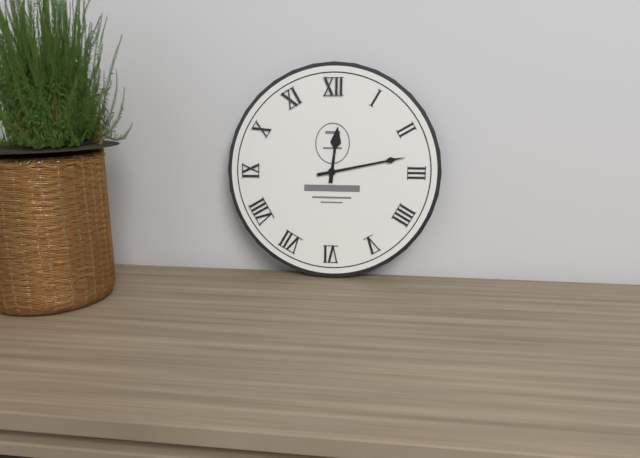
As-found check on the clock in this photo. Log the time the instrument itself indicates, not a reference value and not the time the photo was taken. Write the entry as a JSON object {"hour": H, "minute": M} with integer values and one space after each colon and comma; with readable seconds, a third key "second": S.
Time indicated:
{"hour": 12, "minute": 13}
